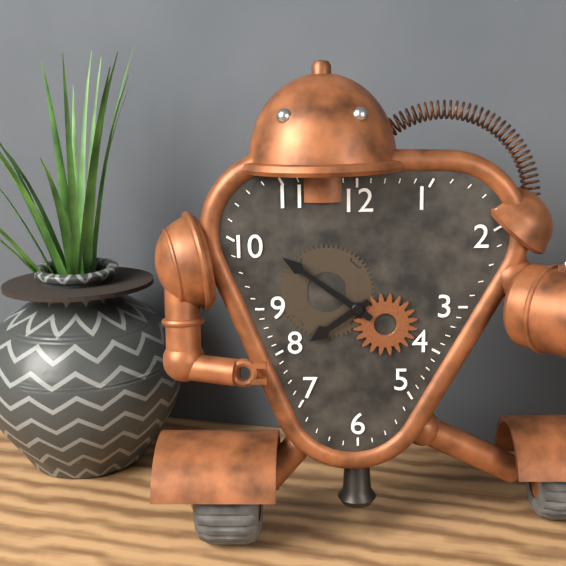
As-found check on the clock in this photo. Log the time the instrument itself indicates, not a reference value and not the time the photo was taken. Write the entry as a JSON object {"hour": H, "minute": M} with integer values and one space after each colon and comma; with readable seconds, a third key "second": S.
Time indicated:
{"hour": 7, "minute": 51}
